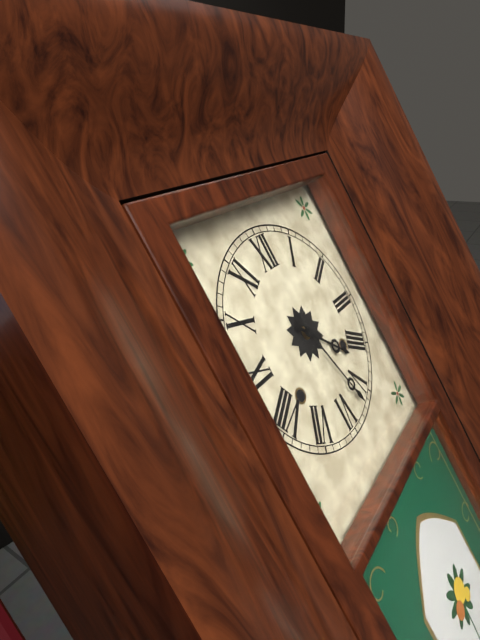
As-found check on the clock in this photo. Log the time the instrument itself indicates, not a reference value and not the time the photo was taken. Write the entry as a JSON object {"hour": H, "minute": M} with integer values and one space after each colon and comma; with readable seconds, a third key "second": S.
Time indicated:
{"hour": 4, "minute": 27}
